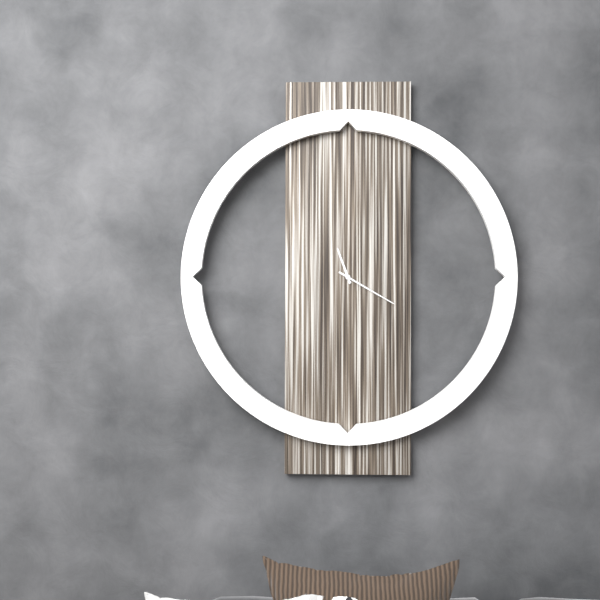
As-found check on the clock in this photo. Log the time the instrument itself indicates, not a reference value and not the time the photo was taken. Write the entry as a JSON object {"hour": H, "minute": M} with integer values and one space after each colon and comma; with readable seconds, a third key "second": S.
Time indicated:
{"hour": 11, "minute": 20}
